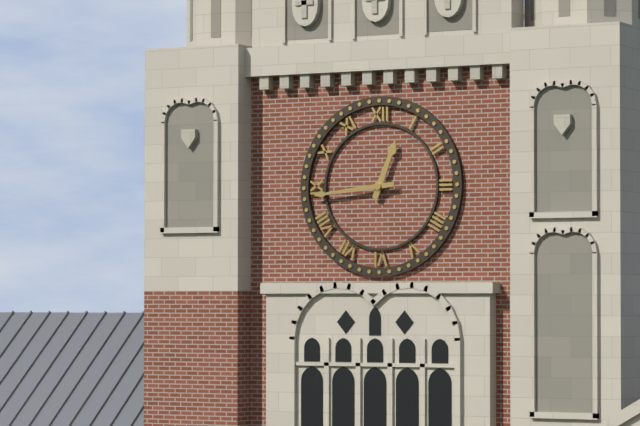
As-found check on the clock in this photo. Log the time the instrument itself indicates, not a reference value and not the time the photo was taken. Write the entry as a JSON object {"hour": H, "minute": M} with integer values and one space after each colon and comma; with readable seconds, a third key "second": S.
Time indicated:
{"hour": 12, "minute": 44}
